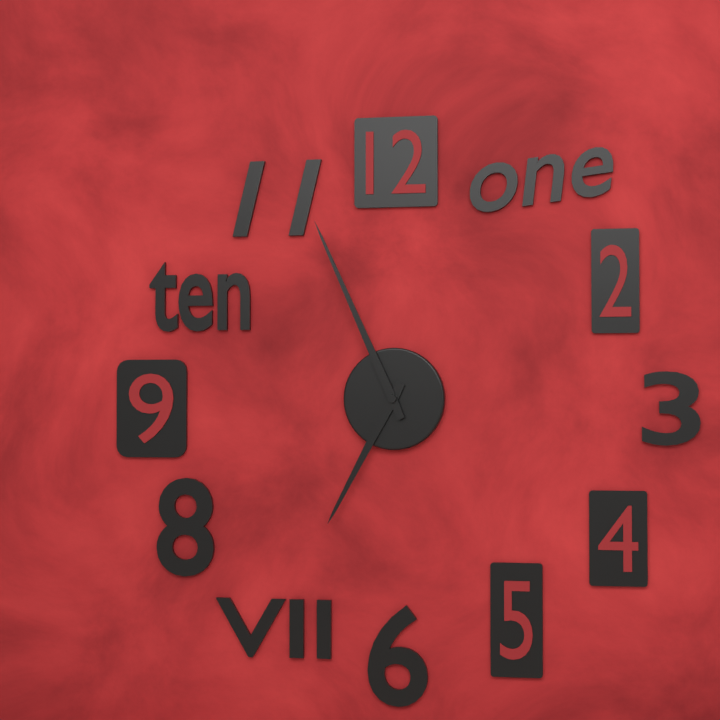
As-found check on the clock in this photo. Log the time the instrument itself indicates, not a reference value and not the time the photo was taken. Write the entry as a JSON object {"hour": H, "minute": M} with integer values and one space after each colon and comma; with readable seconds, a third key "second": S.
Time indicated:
{"hour": 6, "minute": 56}
